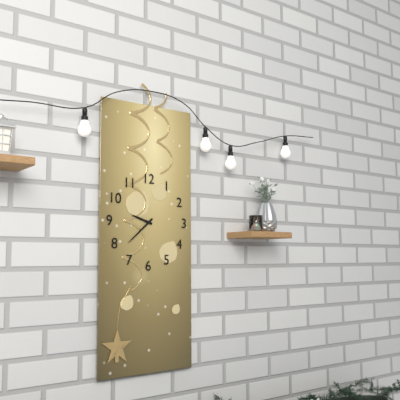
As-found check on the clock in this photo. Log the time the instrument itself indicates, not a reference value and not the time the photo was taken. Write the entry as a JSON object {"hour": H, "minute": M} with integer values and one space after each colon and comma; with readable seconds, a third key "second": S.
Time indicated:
{"hour": 9, "minute": 38}
